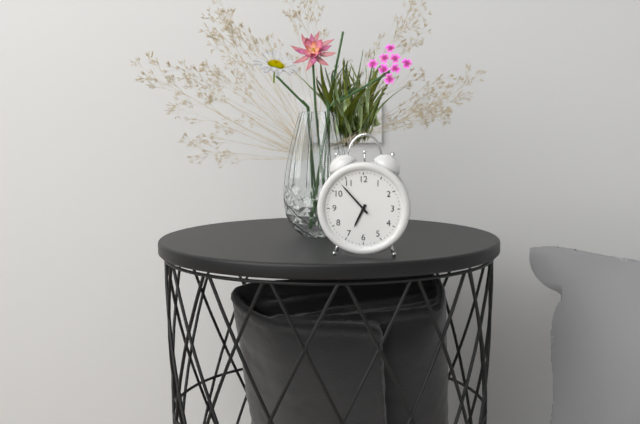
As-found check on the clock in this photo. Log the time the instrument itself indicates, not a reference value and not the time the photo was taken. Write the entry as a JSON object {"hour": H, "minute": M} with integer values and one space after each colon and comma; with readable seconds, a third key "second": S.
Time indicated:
{"hour": 6, "minute": 53}
